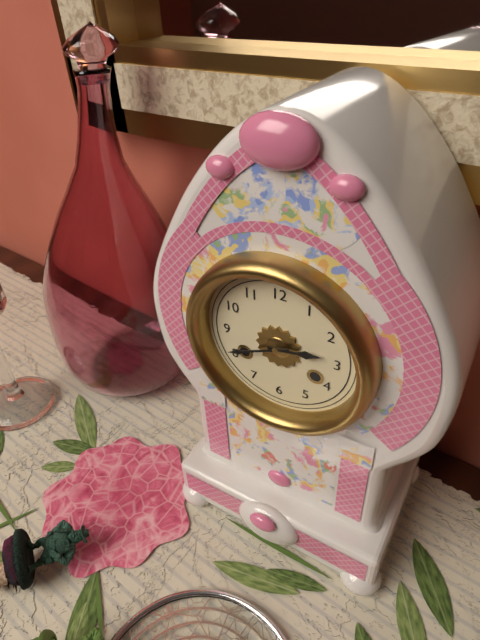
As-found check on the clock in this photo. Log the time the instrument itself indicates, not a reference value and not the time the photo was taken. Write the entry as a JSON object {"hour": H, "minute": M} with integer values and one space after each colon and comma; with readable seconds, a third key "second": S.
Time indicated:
{"hour": 2, "minute": 41}
